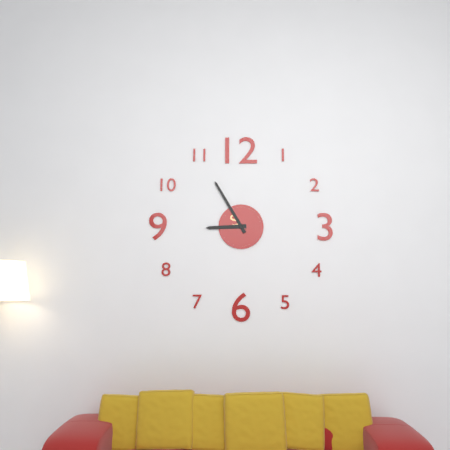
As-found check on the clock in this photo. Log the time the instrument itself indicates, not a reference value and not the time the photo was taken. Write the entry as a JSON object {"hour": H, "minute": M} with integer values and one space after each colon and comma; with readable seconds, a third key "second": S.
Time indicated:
{"hour": 8, "minute": 55}
